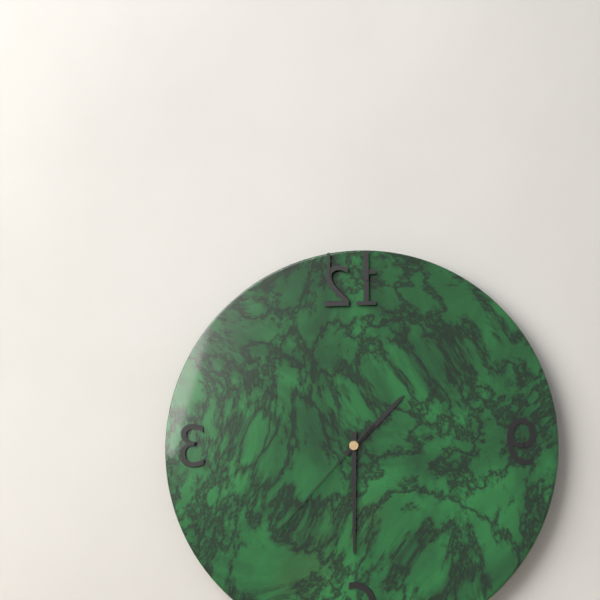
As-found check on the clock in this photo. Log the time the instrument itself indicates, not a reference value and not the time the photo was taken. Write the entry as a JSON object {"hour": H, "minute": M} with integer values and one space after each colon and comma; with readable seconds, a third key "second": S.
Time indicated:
{"hour": 1, "minute": 30, "second": 37}
